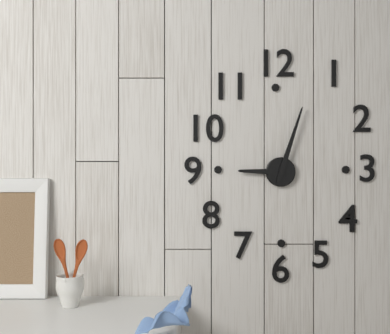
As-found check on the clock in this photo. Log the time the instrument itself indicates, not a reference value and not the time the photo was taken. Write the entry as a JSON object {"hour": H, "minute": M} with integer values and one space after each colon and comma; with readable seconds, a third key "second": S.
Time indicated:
{"hour": 9, "minute": 3}
